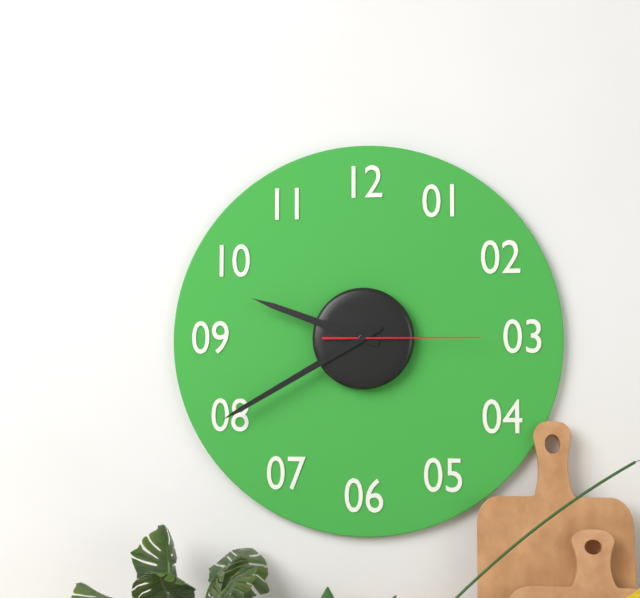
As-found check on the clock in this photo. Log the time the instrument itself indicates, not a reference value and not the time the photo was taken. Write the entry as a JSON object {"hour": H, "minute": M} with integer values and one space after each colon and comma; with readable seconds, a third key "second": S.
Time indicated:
{"hour": 9, "minute": 40, "second": 15}
